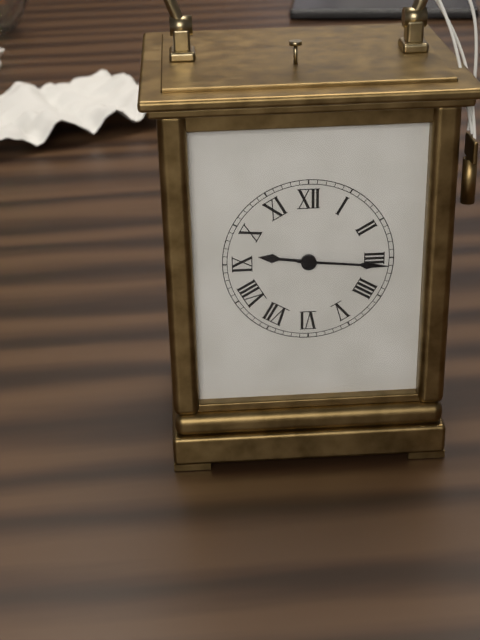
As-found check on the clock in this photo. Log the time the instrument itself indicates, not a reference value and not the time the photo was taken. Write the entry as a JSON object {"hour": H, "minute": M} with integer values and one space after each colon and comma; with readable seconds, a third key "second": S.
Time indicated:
{"hour": 9, "minute": 16}
